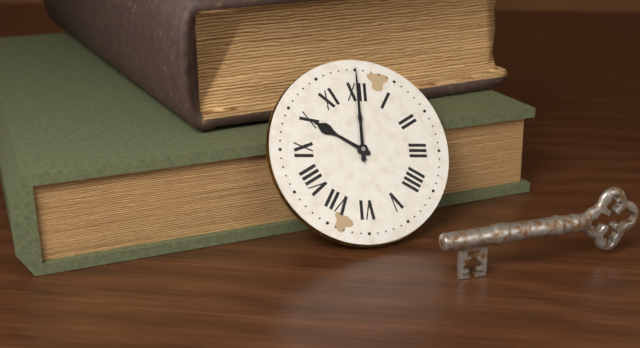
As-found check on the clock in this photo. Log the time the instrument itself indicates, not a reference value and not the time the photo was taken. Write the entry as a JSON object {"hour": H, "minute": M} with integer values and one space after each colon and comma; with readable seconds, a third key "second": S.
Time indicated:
{"hour": 10, "minute": 0}
